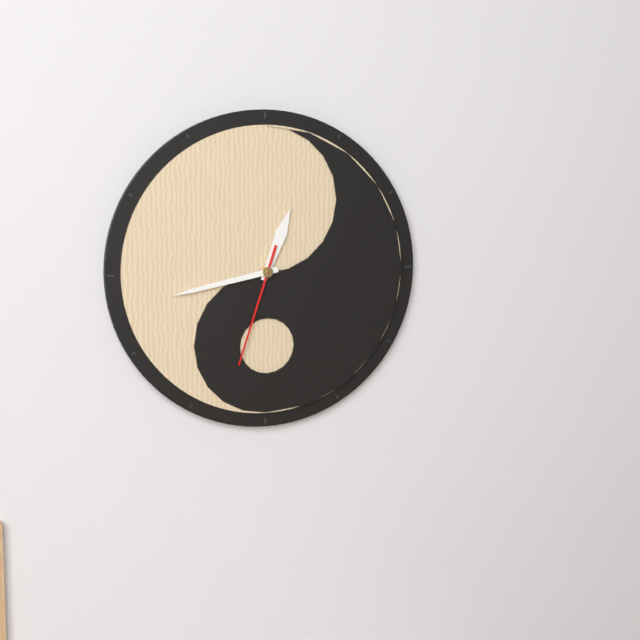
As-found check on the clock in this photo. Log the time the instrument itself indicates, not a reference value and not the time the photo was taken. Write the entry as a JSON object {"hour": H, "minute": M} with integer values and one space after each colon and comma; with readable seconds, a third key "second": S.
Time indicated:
{"hour": 12, "minute": 43, "second": 33}
